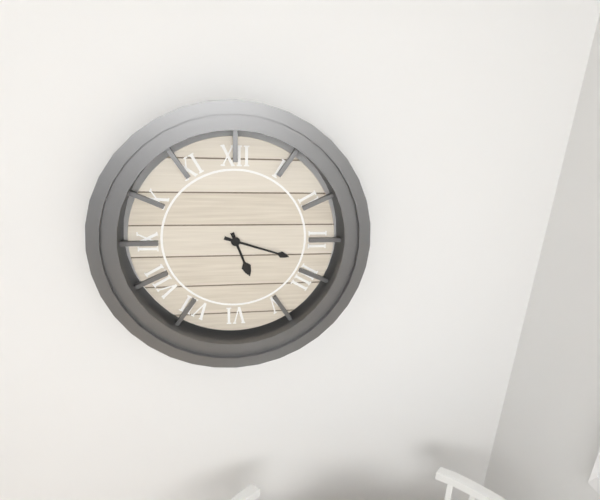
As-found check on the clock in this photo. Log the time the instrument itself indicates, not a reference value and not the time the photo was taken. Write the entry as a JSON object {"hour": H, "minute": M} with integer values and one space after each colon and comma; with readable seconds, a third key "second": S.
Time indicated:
{"hour": 5, "minute": 18}
